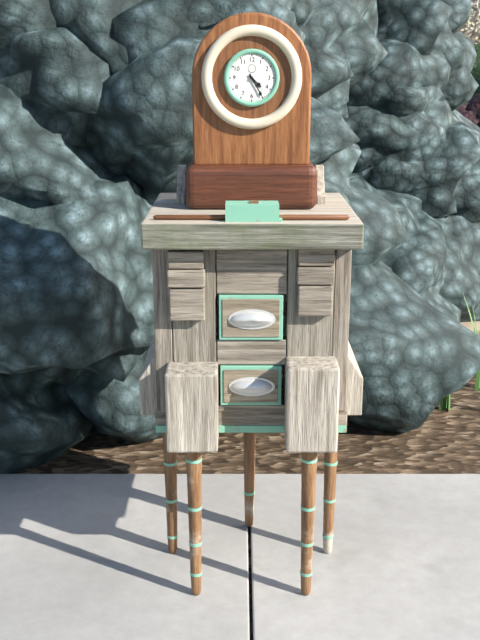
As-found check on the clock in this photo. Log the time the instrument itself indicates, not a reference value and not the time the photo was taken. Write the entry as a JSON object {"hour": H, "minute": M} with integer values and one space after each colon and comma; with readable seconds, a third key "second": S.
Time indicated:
{"hour": 4, "minute": 25}
